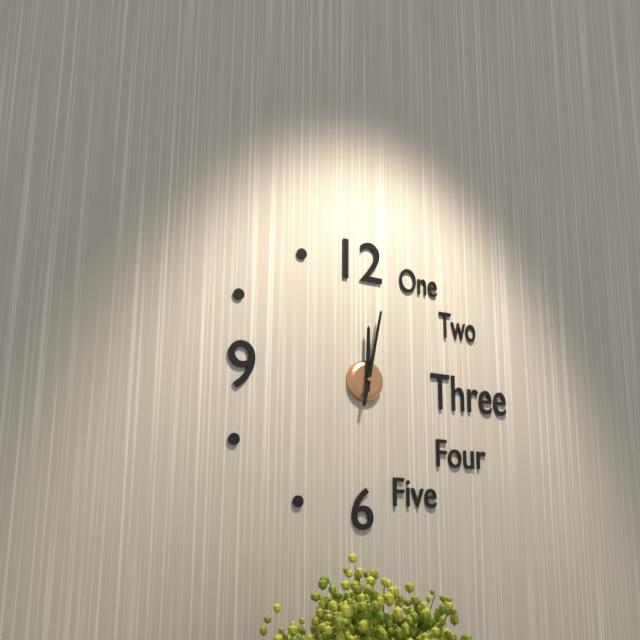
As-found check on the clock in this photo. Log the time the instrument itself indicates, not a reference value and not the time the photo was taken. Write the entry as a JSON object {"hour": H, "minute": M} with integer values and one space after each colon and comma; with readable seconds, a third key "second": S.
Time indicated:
{"hour": 12, "minute": 2}
